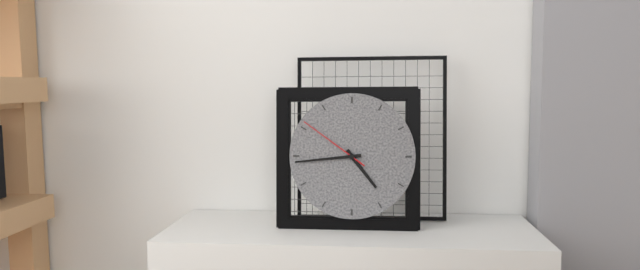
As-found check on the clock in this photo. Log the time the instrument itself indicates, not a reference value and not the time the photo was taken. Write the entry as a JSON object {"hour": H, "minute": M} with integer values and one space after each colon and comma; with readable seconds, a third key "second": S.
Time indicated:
{"hour": 4, "minute": 44, "second": 51}
